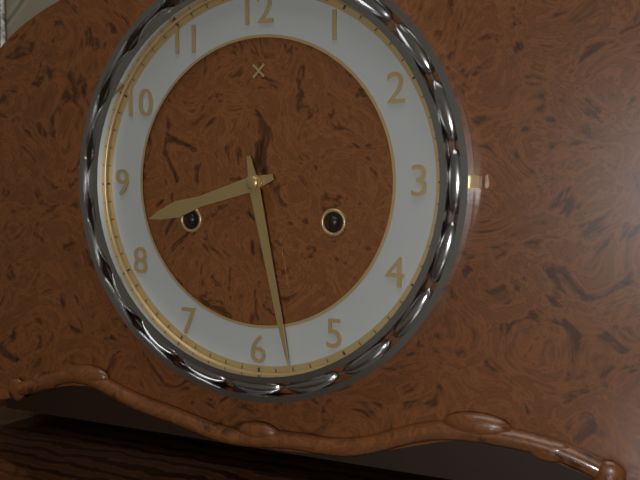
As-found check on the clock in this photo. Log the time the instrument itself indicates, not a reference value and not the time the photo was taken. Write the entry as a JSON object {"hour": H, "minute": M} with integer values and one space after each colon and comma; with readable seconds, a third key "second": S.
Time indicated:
{"hour": 8, "minute": 28}
